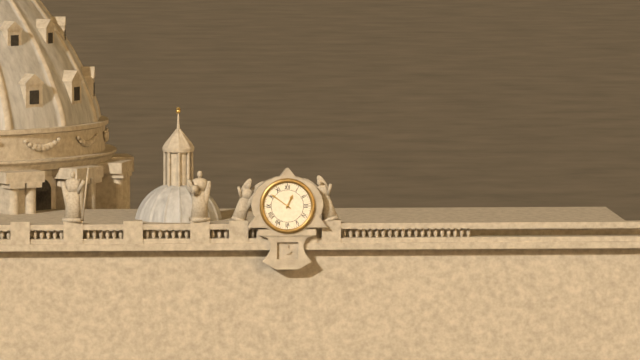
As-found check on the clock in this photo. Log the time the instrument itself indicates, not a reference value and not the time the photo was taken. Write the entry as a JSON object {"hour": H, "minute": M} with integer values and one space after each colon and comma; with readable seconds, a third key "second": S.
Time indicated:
{"hour": 12, "minute": 51}
